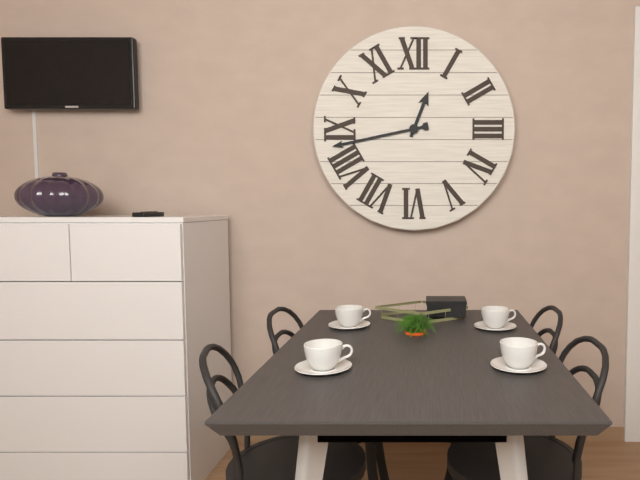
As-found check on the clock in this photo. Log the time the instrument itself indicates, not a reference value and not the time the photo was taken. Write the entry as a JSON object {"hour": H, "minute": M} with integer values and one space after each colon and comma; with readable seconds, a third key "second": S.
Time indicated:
{"hour": 12, "minute": 43}
